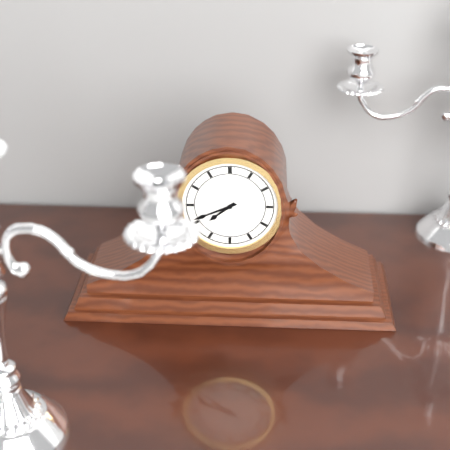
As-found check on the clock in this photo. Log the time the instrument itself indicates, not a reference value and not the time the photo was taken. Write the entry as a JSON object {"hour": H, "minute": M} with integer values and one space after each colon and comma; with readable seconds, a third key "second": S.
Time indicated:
{"hour": 7, "minute": 41}
